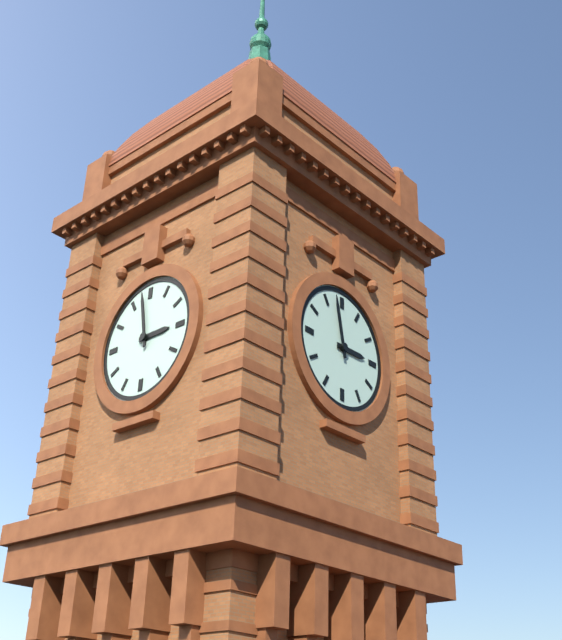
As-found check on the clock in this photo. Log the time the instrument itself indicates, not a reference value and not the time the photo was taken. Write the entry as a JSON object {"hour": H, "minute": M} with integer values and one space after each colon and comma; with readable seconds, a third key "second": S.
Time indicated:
{"hour": 2, "minute": 58}
